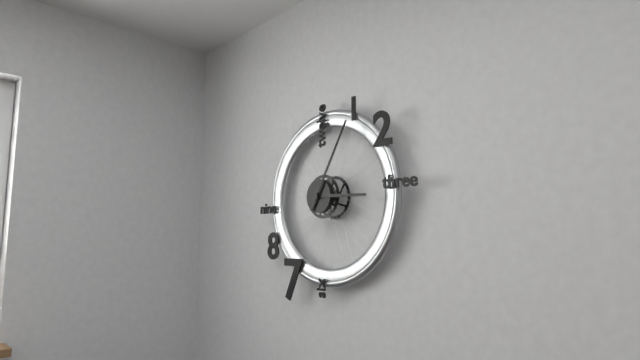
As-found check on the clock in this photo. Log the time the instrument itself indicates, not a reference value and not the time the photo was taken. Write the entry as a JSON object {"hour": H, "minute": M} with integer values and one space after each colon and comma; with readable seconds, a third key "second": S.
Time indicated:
{"hour": 3, "minute": 5}
